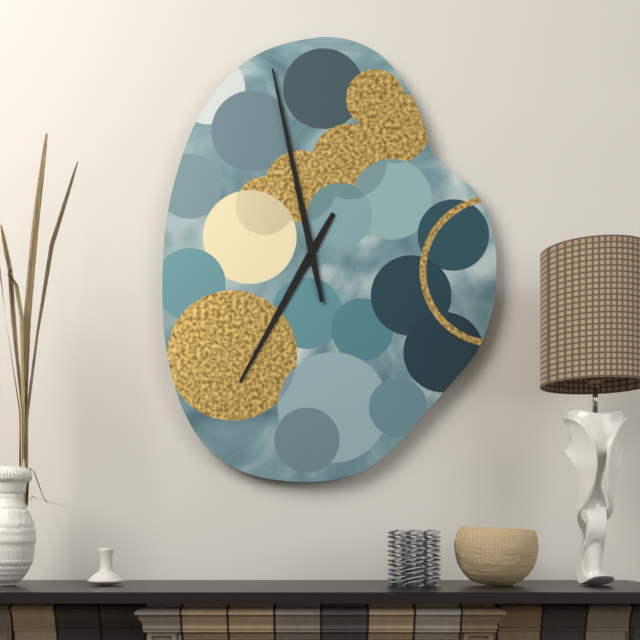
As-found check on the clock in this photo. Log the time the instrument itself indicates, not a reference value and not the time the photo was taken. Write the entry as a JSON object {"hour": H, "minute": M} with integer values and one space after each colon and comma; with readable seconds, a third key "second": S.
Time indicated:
{"hour": 6, "minute": 58}
